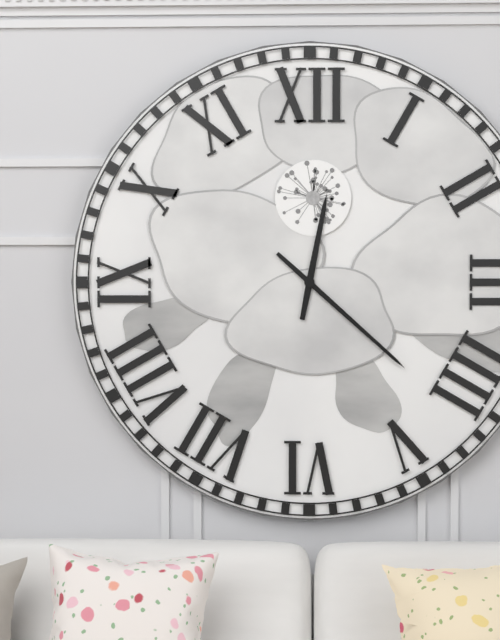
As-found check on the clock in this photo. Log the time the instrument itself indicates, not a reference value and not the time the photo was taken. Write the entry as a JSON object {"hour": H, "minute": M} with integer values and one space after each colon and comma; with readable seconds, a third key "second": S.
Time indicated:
{"hour": 12, "minute": 22}
